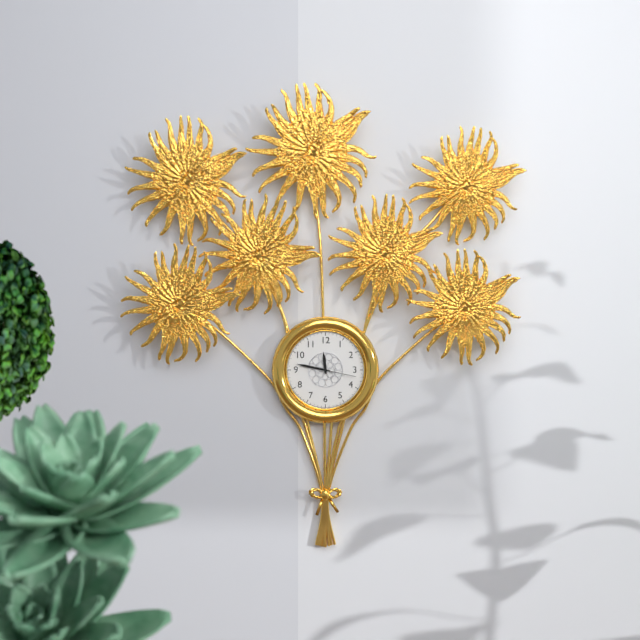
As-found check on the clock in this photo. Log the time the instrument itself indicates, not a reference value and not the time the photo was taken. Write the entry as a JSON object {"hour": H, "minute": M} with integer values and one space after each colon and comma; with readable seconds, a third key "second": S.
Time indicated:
{"hour": 11, "minute": 47}
